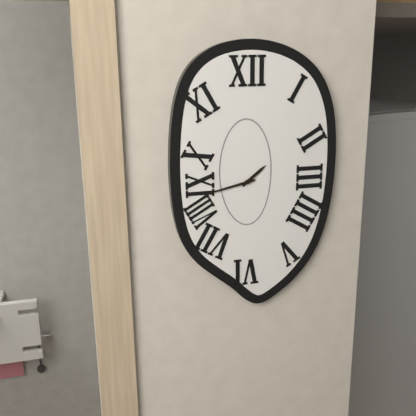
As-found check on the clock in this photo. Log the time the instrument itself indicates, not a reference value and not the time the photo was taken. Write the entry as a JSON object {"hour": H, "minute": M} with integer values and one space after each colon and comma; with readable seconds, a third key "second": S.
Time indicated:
{"hour": 1, "minute": 43}
